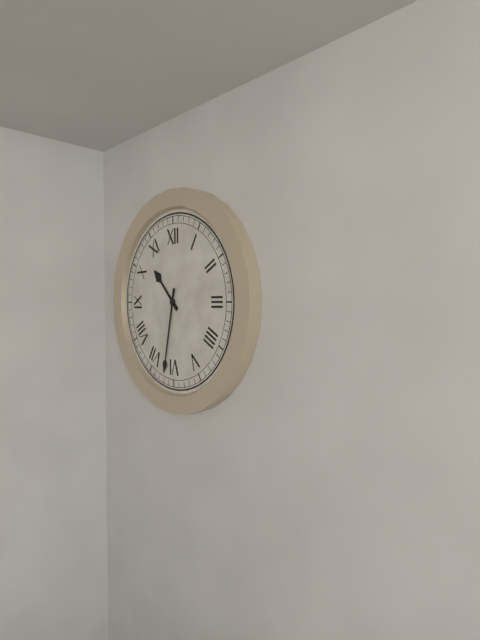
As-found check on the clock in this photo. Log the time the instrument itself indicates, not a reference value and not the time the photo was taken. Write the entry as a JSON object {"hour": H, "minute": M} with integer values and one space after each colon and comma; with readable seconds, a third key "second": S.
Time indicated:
{"hour": 10, "minute": 32}
